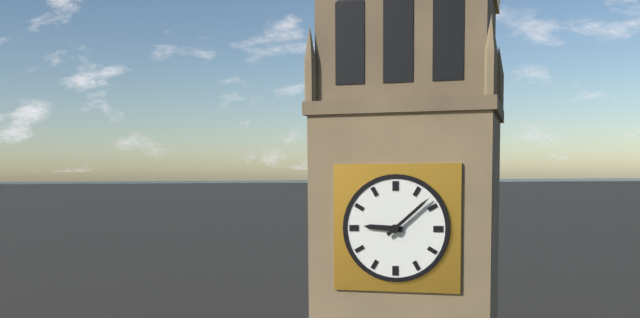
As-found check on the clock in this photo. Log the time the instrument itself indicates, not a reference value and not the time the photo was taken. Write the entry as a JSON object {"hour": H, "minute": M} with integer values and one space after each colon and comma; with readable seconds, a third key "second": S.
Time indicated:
{"hour": 9, "minute": 8}
